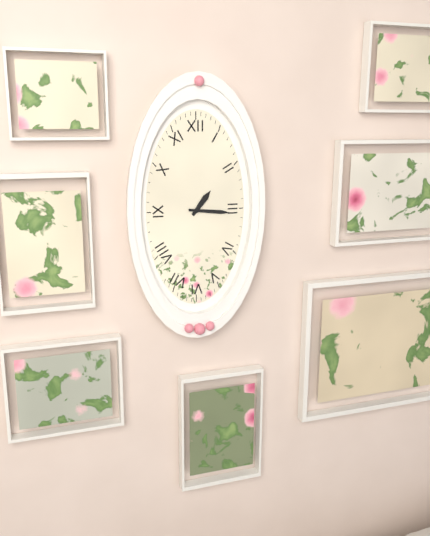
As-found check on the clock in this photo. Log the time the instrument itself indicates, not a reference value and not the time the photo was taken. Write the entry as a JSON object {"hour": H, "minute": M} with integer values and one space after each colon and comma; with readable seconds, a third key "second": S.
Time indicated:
{"hour": 1, "minute": 16}
